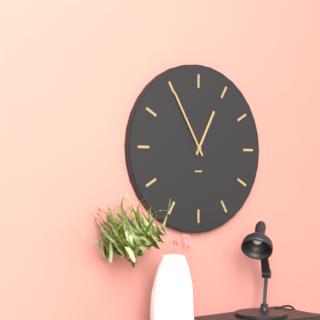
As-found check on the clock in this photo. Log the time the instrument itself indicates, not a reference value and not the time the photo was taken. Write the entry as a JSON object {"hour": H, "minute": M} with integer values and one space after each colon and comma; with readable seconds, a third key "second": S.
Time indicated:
{"hour": 12, "minute": 55}
